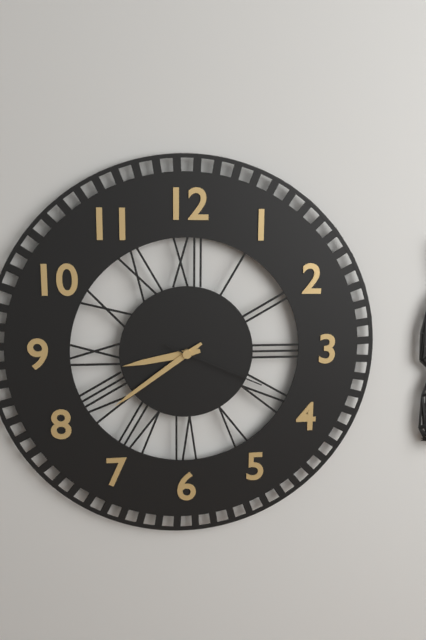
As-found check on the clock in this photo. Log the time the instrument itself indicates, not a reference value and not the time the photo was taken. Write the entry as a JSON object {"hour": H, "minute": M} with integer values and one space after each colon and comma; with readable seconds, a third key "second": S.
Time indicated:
{"hour": 8, "minute": 39, "second": 19}
